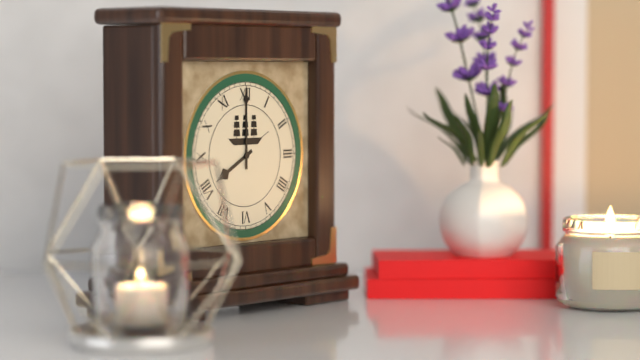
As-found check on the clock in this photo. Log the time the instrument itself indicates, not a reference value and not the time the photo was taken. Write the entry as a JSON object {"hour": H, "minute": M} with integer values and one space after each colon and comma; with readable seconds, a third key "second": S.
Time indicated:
{"hour": 8, "minute": 0}
